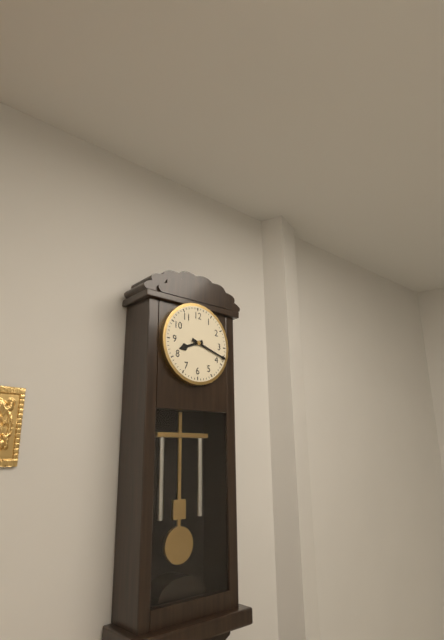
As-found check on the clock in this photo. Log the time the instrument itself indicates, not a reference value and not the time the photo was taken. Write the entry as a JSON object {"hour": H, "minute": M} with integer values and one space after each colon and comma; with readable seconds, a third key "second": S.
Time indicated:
{"hour": 8, "minute": 18}
